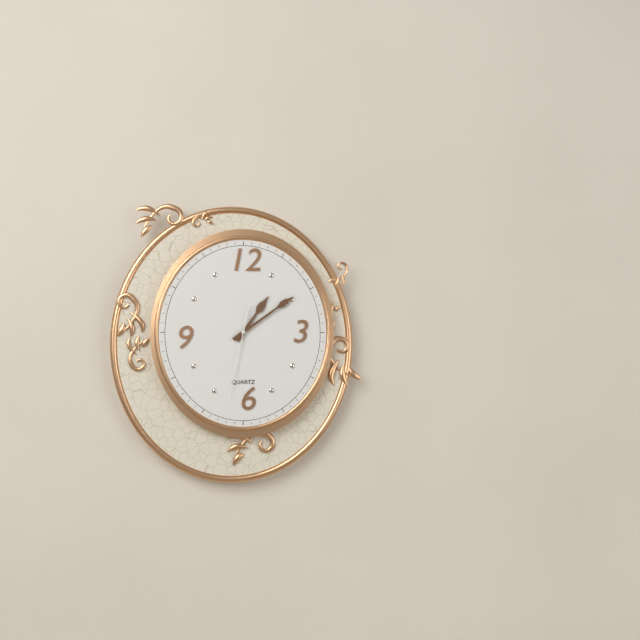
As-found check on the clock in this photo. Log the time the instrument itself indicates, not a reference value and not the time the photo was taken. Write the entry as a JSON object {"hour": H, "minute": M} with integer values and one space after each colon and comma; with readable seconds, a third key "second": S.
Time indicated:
{"hour": 1, "minute": 9, "second": 32}
